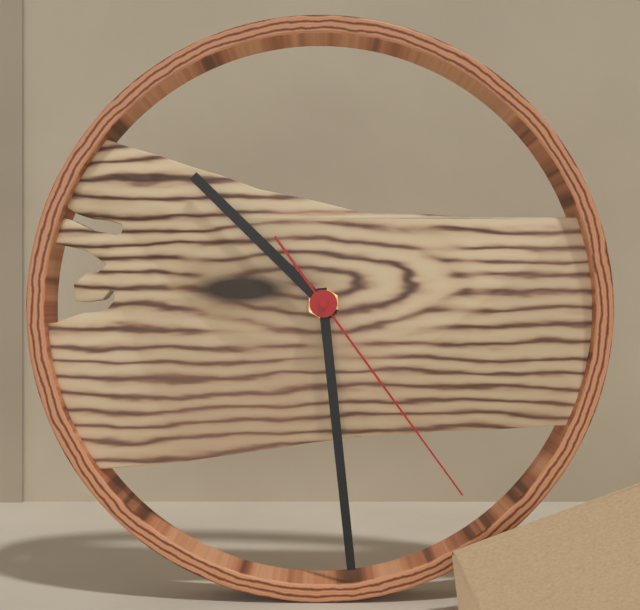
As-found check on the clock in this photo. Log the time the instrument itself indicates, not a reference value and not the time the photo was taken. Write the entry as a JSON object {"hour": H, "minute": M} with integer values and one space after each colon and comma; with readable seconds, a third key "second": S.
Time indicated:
{"hour": 10, "minute": 29, "second": 24}
